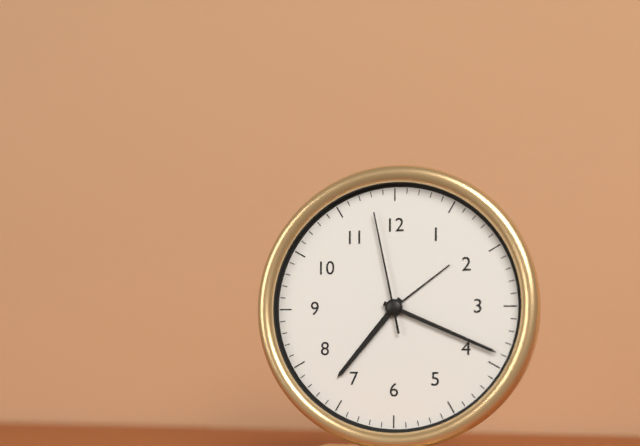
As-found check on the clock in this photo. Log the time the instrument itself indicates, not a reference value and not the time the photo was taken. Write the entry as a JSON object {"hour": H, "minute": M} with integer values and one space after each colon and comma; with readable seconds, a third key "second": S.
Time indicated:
{"hour": 7, "minute": 19, "second": 58}
